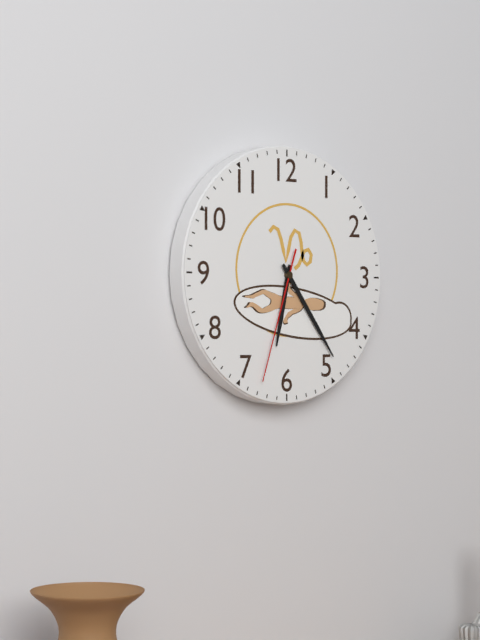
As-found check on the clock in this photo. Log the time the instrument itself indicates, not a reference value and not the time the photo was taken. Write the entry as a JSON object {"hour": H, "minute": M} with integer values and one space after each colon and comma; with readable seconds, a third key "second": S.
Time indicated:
{"hour": 6, "minute": 24, "second": 33}
